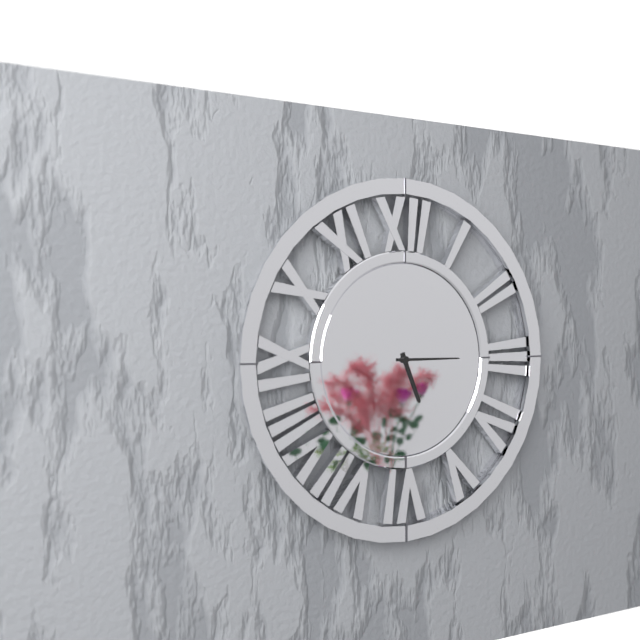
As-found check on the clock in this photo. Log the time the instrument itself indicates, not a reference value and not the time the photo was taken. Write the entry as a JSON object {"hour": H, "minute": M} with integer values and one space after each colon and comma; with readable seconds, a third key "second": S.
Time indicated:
{"hour": 5, "minute": 15}
